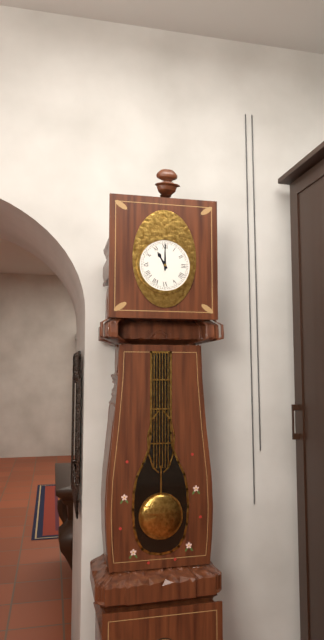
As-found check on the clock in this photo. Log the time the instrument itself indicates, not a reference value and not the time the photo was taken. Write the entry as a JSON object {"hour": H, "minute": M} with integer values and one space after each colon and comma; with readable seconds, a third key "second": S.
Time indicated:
{"hour": 11, "minute": 0}
